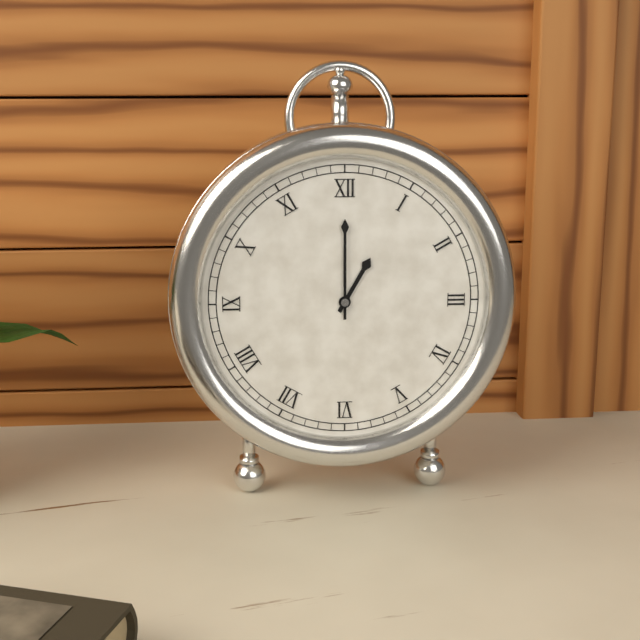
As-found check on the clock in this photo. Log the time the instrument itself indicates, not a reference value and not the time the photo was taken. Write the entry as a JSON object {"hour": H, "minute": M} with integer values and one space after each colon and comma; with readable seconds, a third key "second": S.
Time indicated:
{"hour": 1, "minute": 0}
